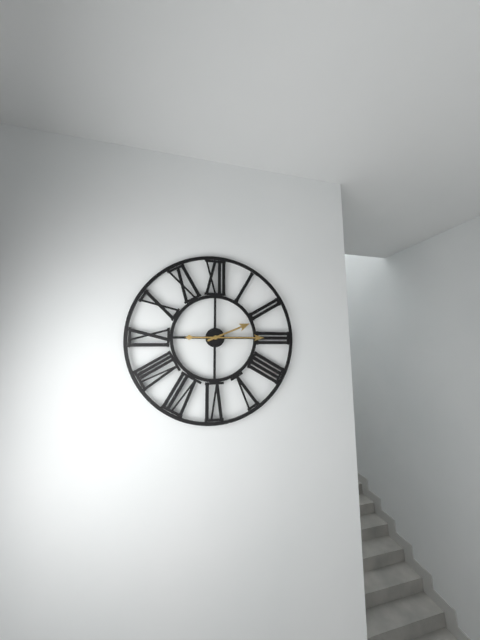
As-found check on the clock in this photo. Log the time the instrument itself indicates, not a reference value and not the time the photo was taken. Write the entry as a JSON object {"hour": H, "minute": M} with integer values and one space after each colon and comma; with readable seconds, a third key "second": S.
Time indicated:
{"hour": 2, "minute": 15}
